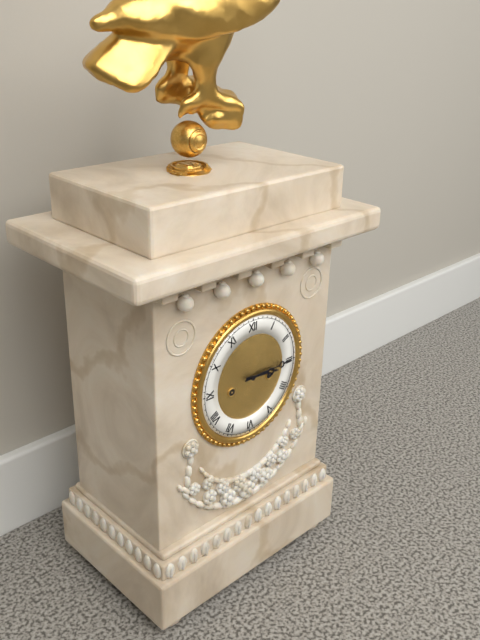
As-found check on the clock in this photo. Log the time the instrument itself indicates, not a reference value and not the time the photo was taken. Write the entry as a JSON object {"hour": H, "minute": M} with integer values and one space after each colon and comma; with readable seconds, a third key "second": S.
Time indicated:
{"hour": 3, "minute": 15}
